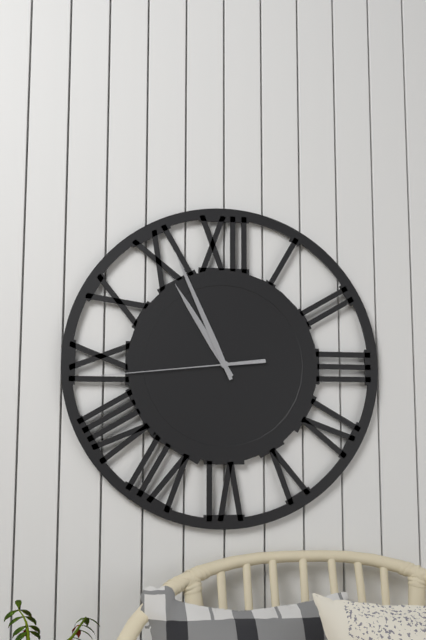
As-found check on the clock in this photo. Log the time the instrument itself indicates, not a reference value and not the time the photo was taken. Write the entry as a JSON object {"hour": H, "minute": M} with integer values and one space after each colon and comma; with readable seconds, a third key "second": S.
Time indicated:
{"hour": 10, "minute": 56, "second": 44}
